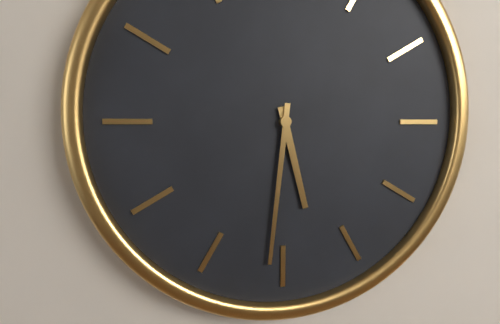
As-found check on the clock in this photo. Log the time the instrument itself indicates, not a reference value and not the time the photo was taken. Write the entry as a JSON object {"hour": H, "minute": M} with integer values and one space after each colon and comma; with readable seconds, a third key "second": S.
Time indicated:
{"hour": 5, "minute": 31}
